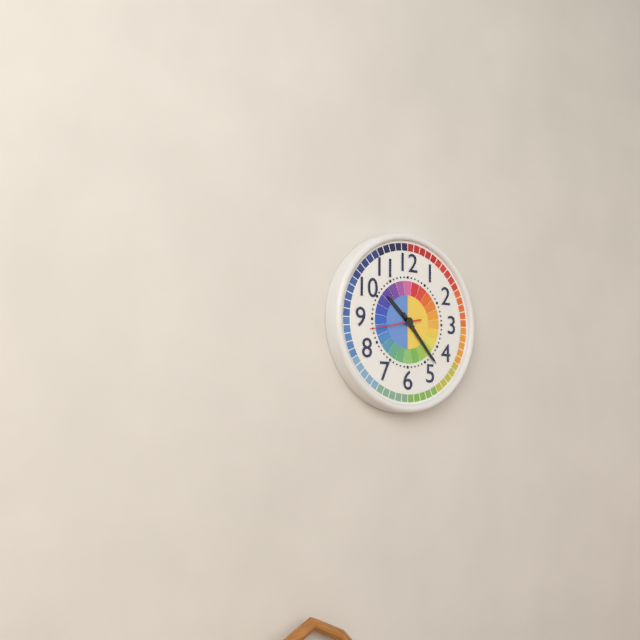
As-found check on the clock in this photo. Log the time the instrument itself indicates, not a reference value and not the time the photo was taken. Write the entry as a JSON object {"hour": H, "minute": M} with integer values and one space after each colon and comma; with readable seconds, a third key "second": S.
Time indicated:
{"hour": 10, "minute": 23}
